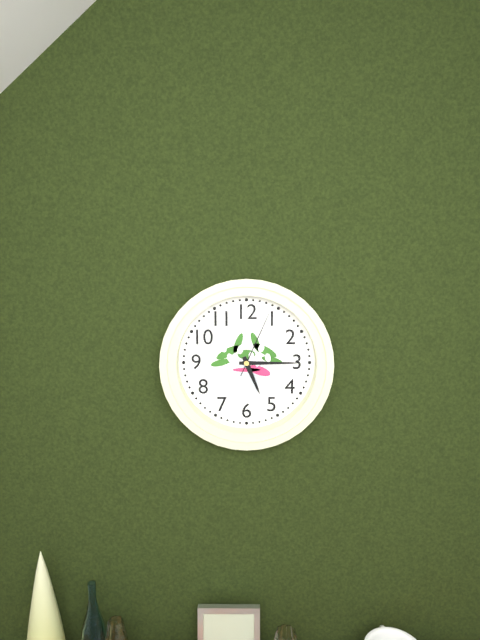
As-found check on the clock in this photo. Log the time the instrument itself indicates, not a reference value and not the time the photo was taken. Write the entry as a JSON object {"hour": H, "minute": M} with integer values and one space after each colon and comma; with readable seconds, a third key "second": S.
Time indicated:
{"hour": 5, "minute": 15, "second": 4}
